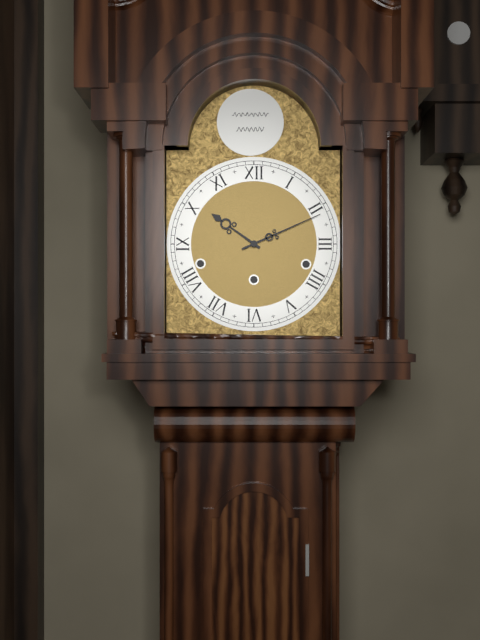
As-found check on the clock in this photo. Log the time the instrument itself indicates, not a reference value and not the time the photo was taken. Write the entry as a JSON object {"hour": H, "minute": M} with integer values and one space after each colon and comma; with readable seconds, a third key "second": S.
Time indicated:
{"hour": 10, "minute": 11}
